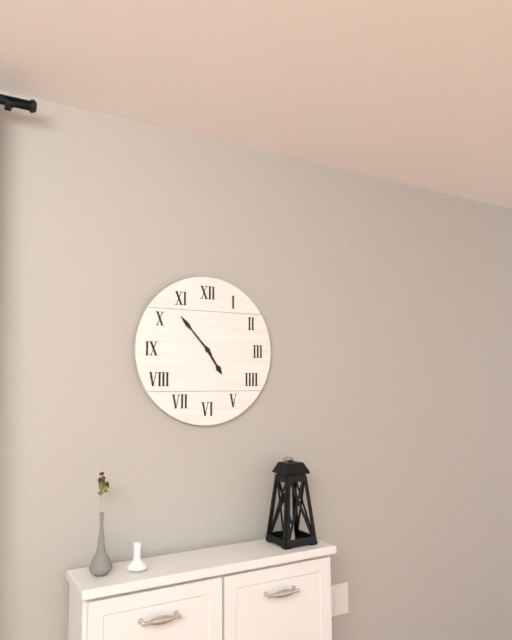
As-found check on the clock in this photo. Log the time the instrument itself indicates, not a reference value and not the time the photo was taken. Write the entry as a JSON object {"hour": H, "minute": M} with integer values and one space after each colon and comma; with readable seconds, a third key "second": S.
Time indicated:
{"hour": 4, "minute": 53}
